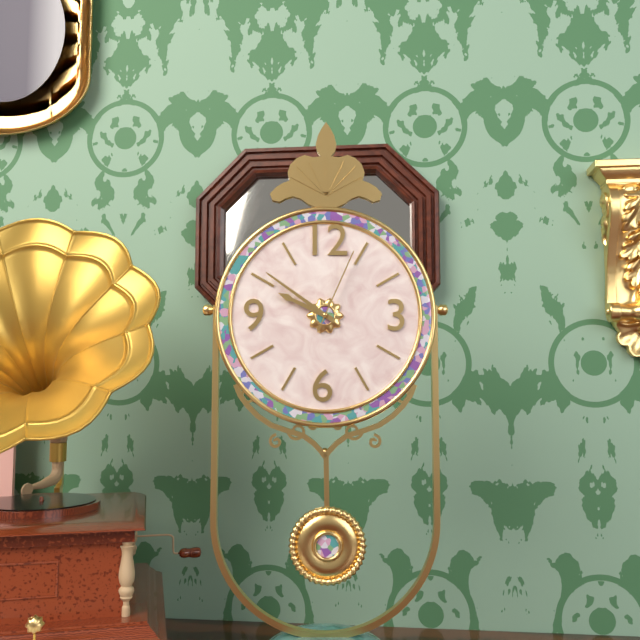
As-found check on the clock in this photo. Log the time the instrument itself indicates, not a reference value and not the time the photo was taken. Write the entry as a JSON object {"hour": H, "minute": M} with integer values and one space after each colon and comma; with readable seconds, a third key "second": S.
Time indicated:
{"hour": 9, "minute": 51, "second": 4}
